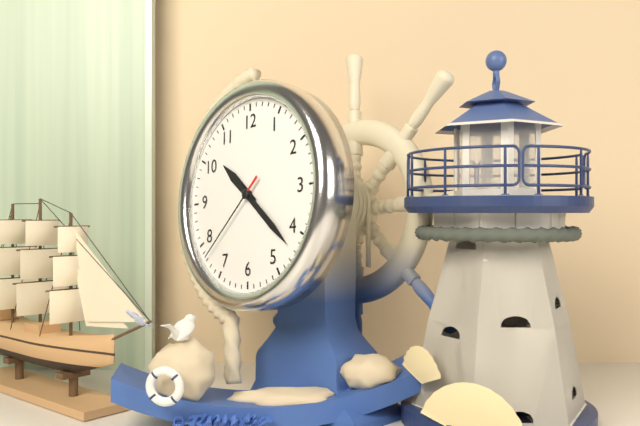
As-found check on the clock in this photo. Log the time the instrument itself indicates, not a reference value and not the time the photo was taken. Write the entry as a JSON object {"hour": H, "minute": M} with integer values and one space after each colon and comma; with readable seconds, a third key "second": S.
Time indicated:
{"hour": 10, "minute": 22, "second": 38}
